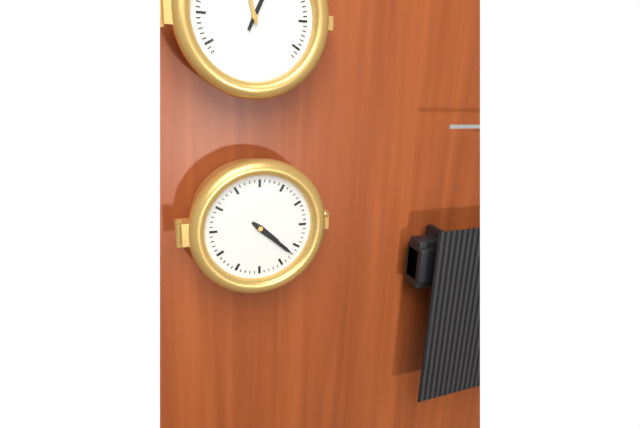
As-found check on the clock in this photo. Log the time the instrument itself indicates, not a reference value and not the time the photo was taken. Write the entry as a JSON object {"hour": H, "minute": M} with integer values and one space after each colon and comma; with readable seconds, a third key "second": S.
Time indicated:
{"hour": 4, "minute": 22}
